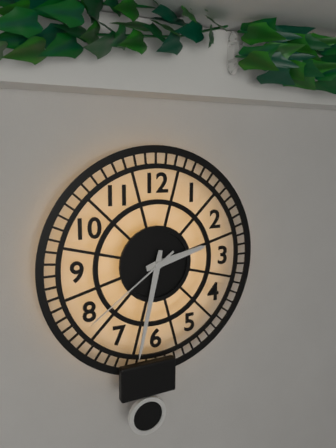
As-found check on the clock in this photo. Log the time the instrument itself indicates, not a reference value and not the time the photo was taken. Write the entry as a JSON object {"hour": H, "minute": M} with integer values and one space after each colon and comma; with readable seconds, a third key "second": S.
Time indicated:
{"hour": 2, "minute": 32, "second": 39}
